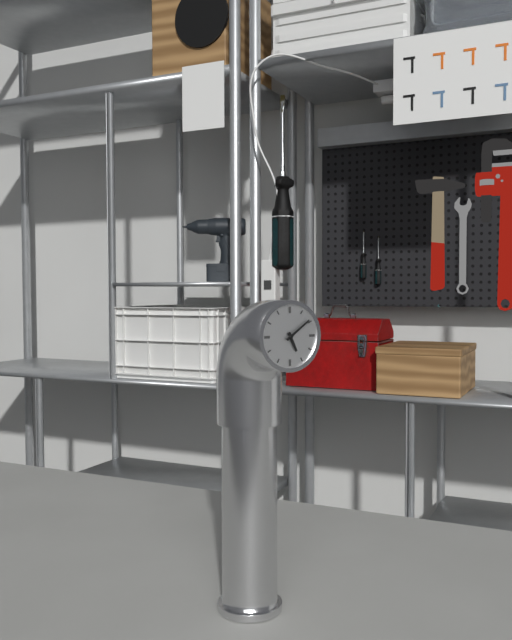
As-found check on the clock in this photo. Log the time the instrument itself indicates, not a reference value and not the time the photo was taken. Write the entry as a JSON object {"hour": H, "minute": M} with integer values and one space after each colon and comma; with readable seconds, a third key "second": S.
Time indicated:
{"hour": 5, "minute": 9}
